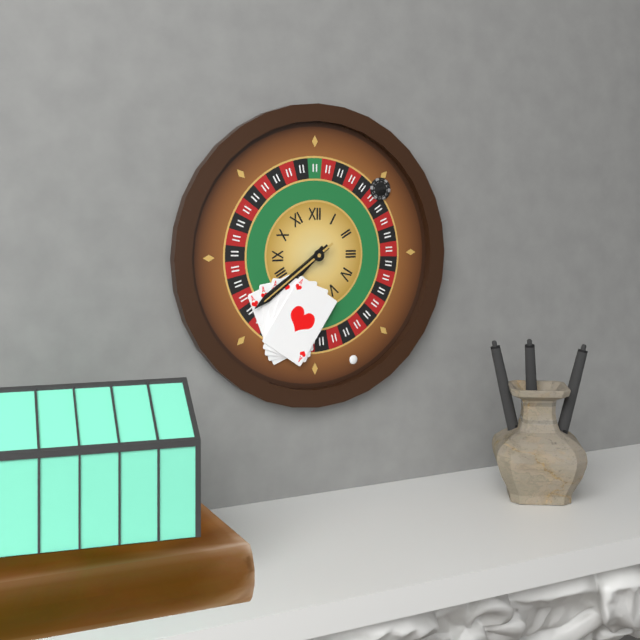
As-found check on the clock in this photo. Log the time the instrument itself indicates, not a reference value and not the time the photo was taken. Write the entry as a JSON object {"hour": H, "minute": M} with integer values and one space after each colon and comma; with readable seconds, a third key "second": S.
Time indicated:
{"hour": 7, "minute": 39, "second": 39}
